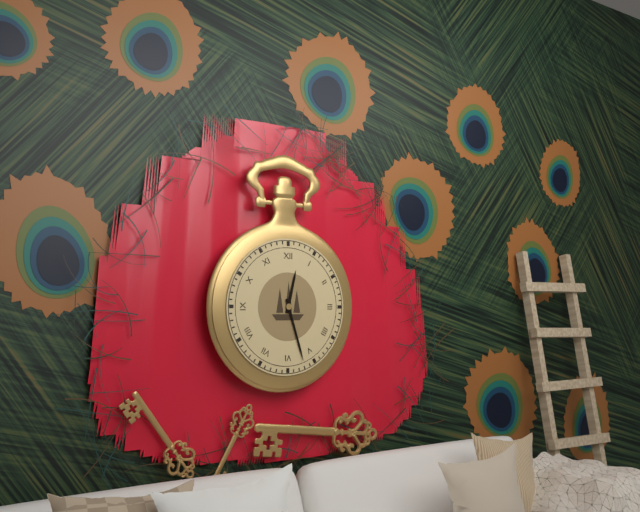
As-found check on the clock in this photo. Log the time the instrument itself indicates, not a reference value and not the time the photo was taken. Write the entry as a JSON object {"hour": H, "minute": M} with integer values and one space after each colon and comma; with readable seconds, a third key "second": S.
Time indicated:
{"hour": 12, "minute": 27}
